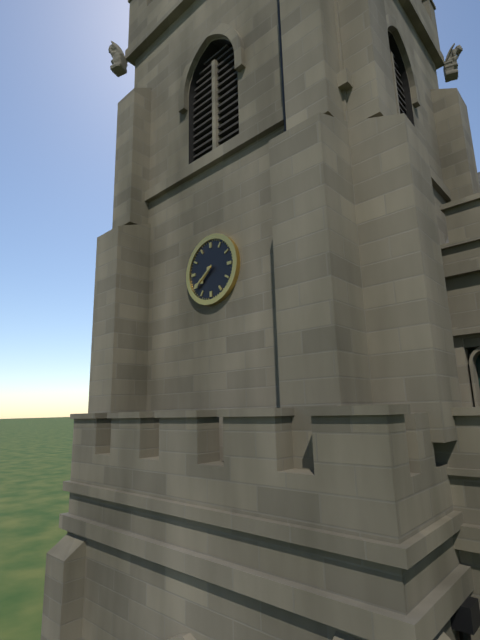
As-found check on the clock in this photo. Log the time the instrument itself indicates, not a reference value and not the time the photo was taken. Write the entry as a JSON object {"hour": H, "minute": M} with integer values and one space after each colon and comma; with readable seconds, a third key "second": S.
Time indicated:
{"hour": 7, "minute": 39}
